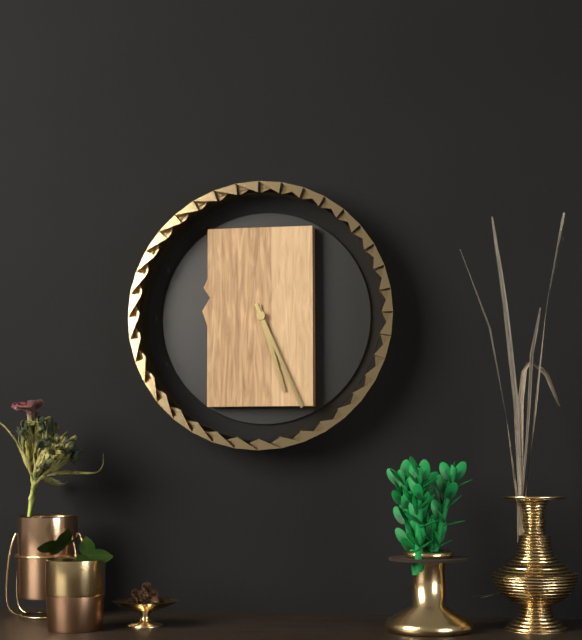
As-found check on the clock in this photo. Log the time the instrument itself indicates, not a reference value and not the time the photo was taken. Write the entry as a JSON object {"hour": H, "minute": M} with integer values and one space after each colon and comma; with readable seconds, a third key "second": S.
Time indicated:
{"hour": 5, "minute": 26}
